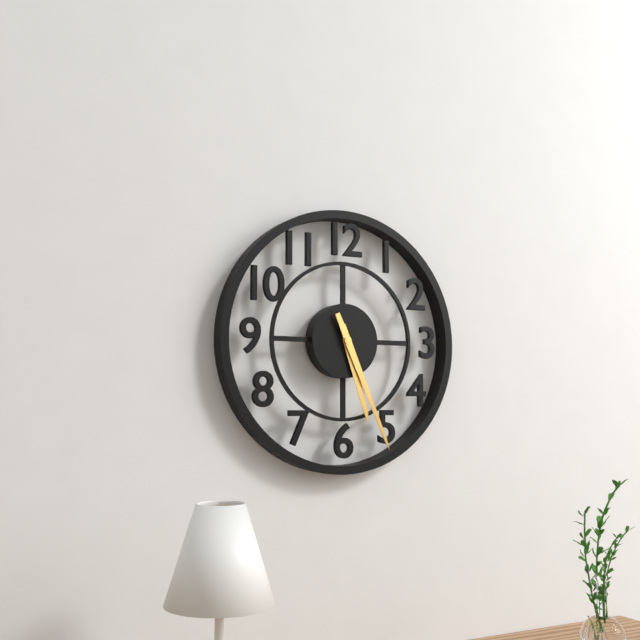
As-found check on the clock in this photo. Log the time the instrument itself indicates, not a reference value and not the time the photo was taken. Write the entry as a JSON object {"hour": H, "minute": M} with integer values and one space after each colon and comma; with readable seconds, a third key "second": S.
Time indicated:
{"hour": 5, "minute": 26}
